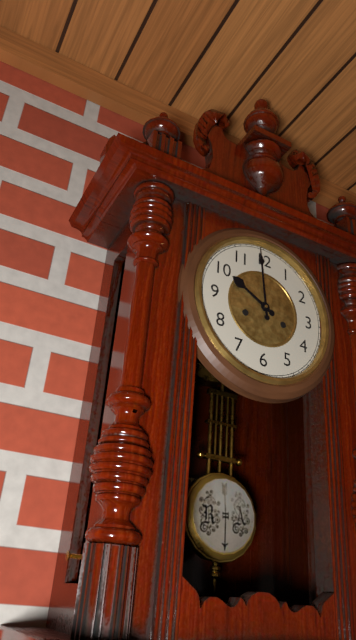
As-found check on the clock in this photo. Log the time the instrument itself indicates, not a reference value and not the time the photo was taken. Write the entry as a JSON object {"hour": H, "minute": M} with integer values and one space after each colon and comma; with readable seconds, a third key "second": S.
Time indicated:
{"hour": 9, "minute": 59}
